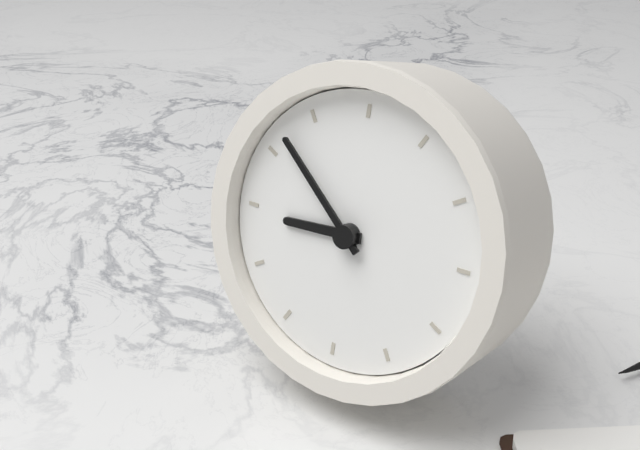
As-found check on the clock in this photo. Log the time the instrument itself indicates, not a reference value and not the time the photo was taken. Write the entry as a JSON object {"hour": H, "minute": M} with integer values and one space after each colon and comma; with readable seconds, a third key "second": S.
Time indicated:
{"hour": 8, "minute": 52}
